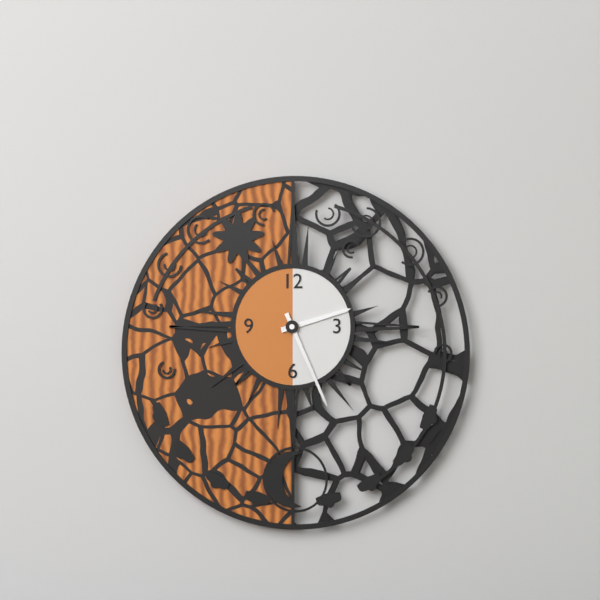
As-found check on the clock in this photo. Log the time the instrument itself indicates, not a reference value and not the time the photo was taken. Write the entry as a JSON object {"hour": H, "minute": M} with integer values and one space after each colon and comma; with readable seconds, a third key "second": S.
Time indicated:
{"hour": 2, "minute": 26}
